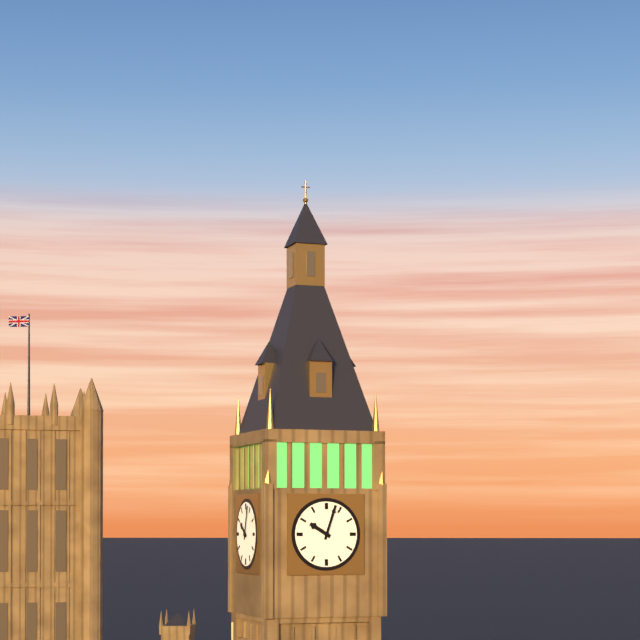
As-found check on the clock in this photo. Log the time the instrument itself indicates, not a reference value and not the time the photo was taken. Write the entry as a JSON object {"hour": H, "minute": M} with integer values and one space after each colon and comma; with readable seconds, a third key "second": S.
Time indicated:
{"hour": 10, "minute": 3}
